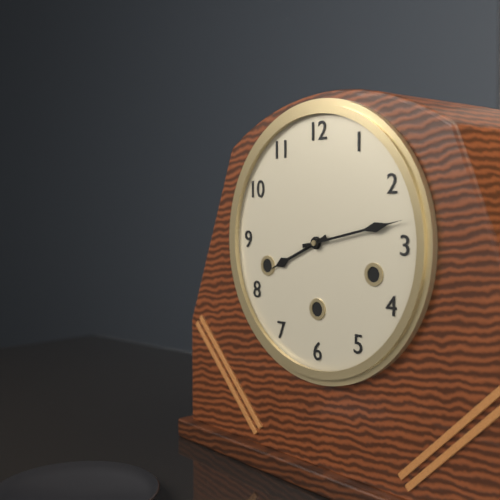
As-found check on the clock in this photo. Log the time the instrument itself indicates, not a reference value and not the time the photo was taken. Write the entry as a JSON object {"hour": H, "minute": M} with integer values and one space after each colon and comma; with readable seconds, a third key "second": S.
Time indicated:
{"hour": 8, "minute": 13}
